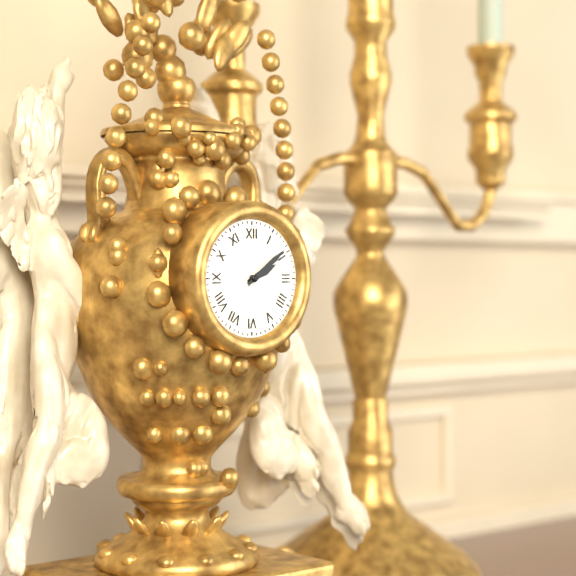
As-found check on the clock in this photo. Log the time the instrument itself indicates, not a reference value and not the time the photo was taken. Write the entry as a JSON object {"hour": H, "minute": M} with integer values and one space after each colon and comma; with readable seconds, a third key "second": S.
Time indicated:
{"hour": 2, "minute": 9}
